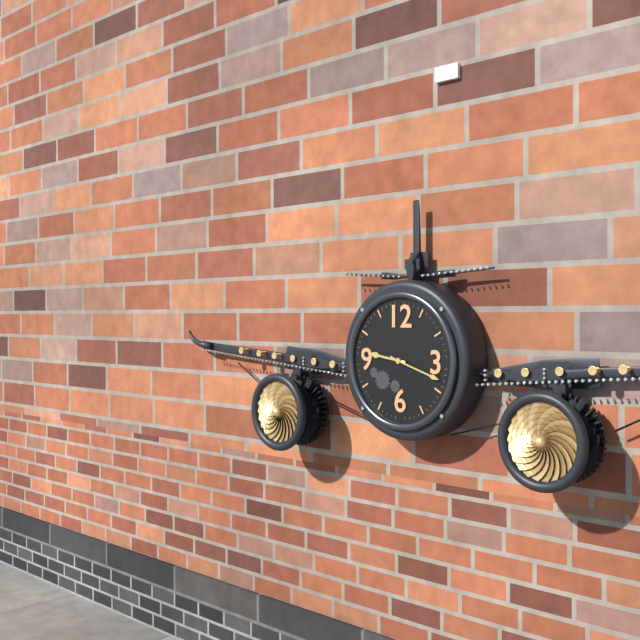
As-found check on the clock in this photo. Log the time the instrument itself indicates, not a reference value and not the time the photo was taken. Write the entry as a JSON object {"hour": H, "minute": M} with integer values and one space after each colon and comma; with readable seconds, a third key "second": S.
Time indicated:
{"hour": 9, "minute": 18}
